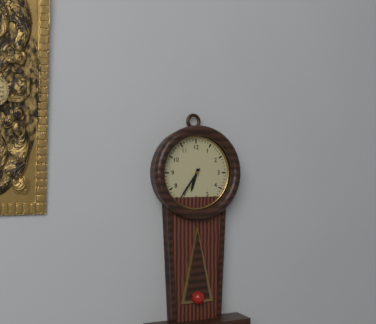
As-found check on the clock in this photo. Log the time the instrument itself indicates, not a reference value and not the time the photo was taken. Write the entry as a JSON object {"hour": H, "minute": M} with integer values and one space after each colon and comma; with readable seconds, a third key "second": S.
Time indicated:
{"hour": 6, "minute": 36}
